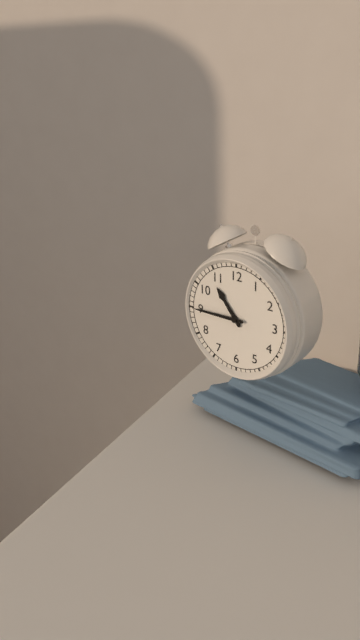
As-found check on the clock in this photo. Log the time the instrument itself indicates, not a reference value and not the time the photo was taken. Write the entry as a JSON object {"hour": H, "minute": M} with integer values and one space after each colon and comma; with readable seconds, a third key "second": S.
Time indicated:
{"hour": 10, "minute": 45}
